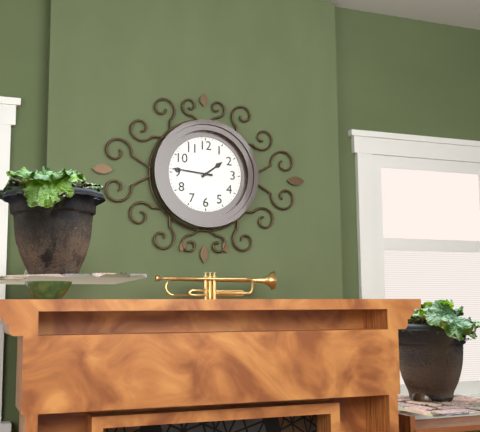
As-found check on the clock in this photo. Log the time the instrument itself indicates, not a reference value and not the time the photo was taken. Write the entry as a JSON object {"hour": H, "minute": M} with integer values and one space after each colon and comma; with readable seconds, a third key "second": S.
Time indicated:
{"hour": 1, "minute": 46}
